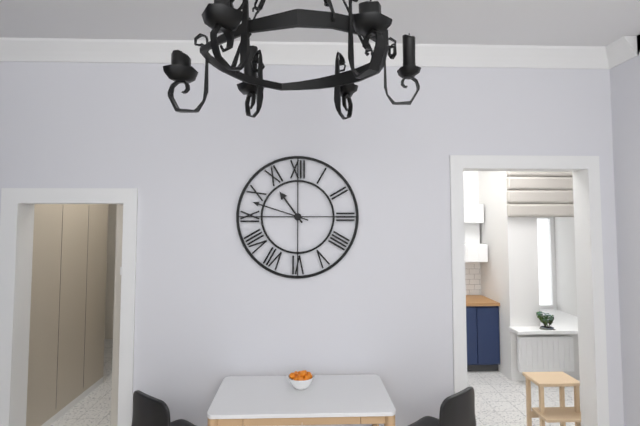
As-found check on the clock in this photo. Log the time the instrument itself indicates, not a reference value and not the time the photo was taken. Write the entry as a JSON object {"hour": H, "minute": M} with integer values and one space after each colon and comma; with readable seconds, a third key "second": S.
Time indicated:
{"hour": 10, "minute": 48}
